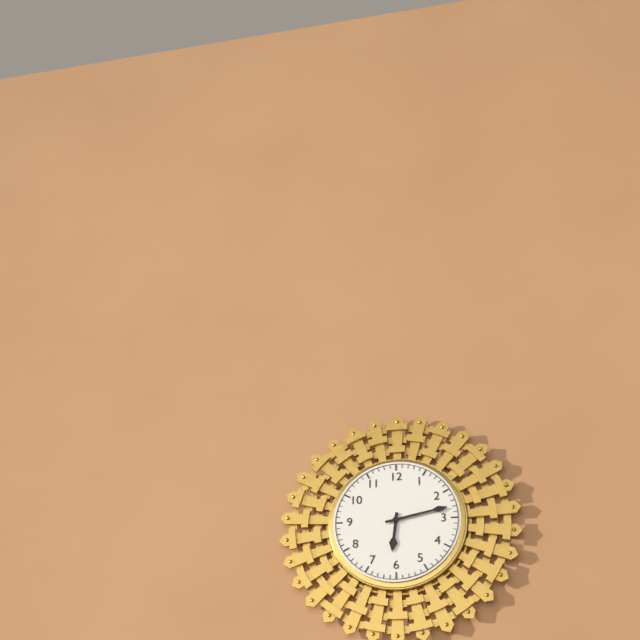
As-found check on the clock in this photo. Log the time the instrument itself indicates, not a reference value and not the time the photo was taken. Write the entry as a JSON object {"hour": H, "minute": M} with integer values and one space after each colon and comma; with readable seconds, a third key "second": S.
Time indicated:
{"hour": 6, "minute": 13}
